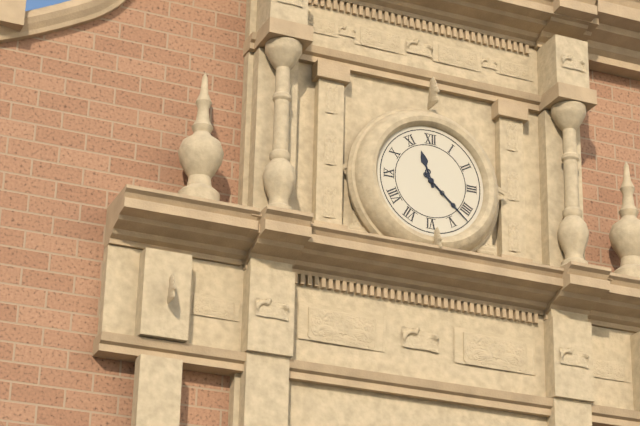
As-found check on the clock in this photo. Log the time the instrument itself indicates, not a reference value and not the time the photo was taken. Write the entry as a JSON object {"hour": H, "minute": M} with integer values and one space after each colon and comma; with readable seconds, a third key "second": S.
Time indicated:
{"hour": 11, "minute": 22}
